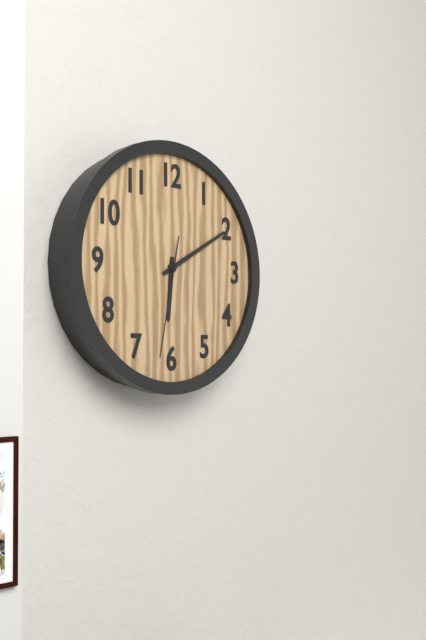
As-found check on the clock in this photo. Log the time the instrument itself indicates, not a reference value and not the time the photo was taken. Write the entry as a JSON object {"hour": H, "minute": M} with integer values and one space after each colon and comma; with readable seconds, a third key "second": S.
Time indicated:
{"hour": 6, "minute": 10, "second": 32}
